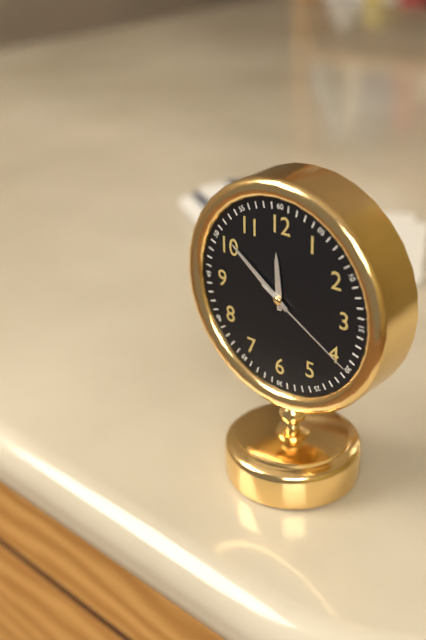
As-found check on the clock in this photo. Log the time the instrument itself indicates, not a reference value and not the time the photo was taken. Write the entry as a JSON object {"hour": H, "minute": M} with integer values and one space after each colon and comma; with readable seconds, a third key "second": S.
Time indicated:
{"hour": 11, "minute": 51, "second": 20}
